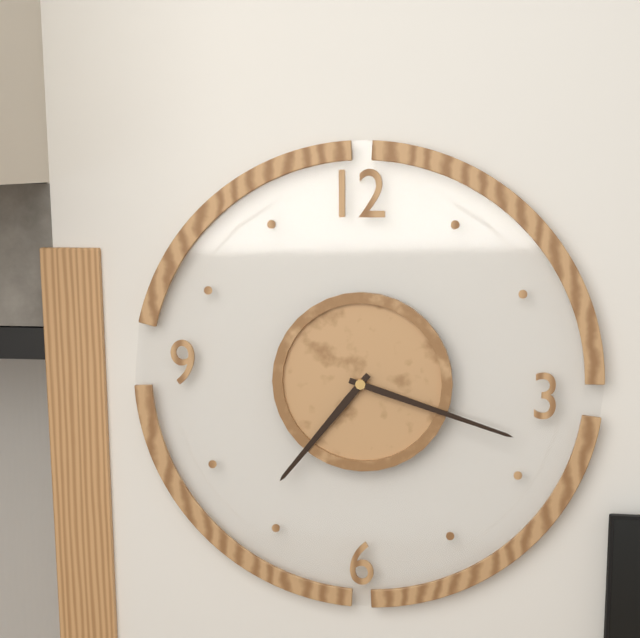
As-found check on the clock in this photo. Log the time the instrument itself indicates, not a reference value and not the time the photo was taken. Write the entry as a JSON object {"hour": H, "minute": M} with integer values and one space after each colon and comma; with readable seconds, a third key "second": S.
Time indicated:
{"hour": 7, "minute": 18}
